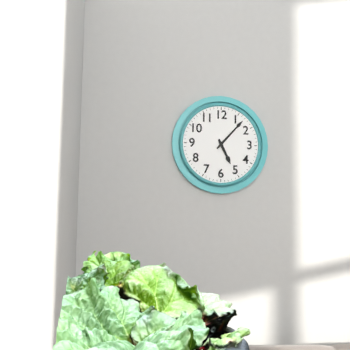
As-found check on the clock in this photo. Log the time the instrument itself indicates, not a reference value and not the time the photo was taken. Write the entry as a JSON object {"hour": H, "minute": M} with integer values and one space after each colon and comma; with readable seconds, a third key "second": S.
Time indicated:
{"hour": 5, "minute": 7}
